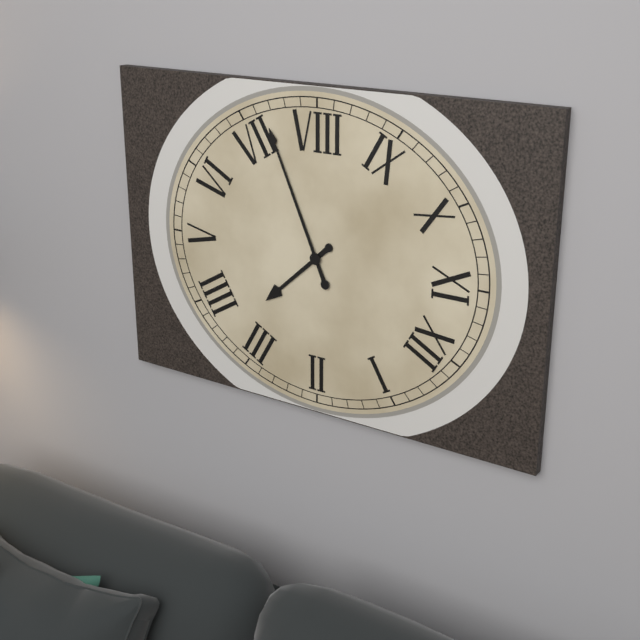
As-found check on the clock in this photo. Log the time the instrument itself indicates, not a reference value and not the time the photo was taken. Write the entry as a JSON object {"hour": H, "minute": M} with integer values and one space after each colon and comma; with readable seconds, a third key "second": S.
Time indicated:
{"hour": 3, "minute": 36}
